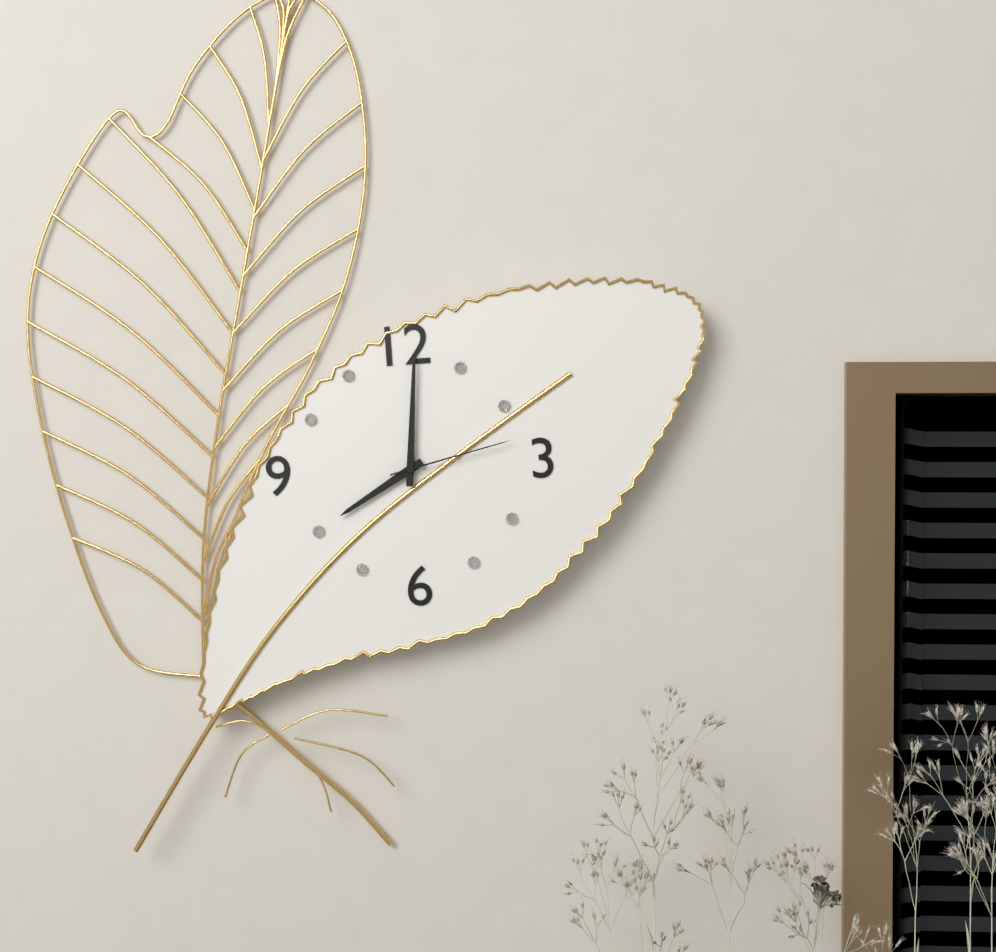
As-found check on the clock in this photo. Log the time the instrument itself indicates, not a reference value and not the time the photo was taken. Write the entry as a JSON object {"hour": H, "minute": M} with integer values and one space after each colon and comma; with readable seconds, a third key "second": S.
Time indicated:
{"hour": 8, "minute": 1, "second": 13}
